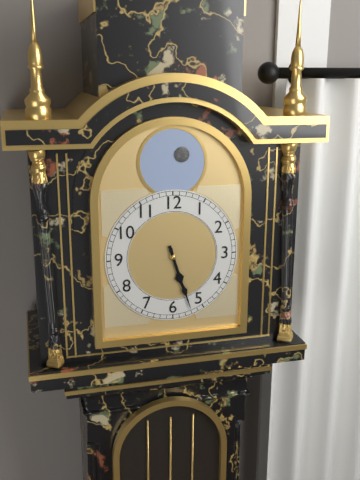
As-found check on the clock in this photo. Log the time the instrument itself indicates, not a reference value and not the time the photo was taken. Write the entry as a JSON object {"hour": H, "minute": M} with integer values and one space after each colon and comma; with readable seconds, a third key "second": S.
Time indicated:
{"hour": 5, "minute": 27}
